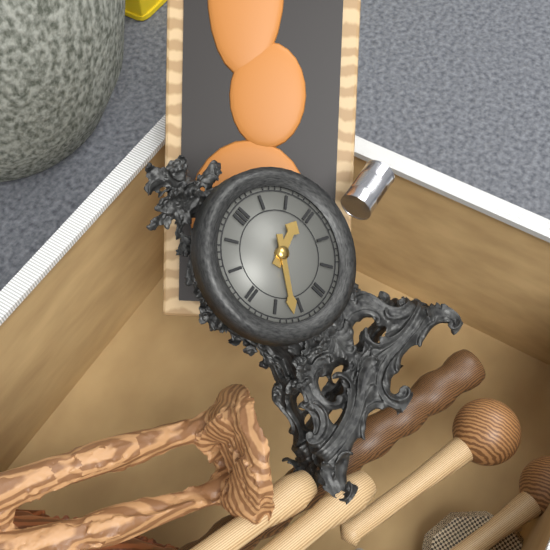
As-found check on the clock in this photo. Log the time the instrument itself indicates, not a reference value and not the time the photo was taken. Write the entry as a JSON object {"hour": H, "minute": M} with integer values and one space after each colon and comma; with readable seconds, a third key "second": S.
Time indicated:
{"hour": 2, "minute": 37}
